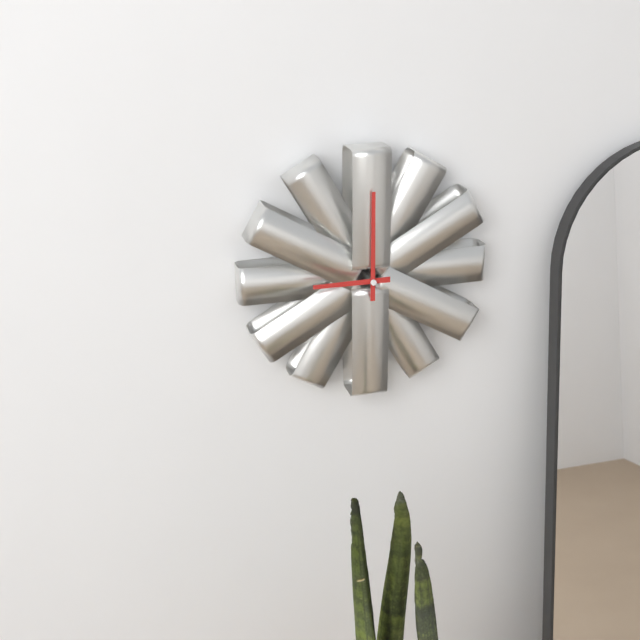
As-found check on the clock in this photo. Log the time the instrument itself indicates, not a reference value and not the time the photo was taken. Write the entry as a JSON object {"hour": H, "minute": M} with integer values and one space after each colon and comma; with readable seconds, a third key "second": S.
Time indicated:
{"hour": 9, "minute": 0}
